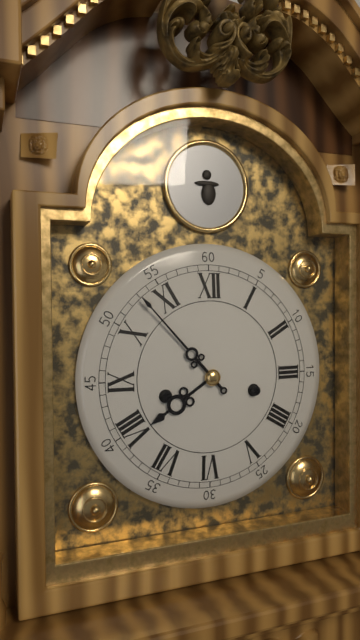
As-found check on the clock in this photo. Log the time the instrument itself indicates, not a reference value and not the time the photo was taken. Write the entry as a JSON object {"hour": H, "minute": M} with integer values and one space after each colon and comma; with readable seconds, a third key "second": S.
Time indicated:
{"hour": 7, "minute": 53}
